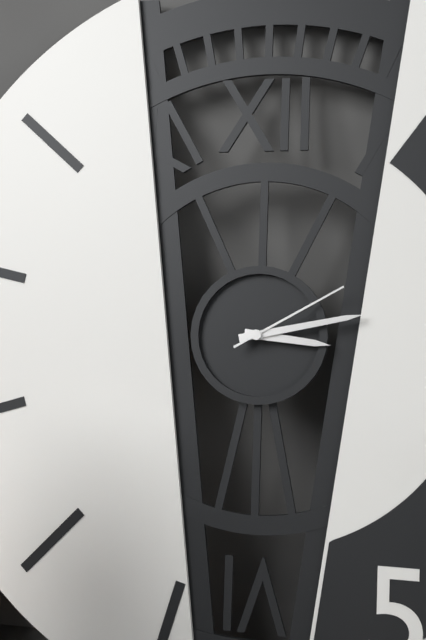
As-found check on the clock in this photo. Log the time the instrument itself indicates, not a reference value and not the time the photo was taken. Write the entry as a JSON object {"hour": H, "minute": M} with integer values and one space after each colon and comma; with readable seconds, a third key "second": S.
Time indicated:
{"hour": 3, "minute": 13, "second": 10}
